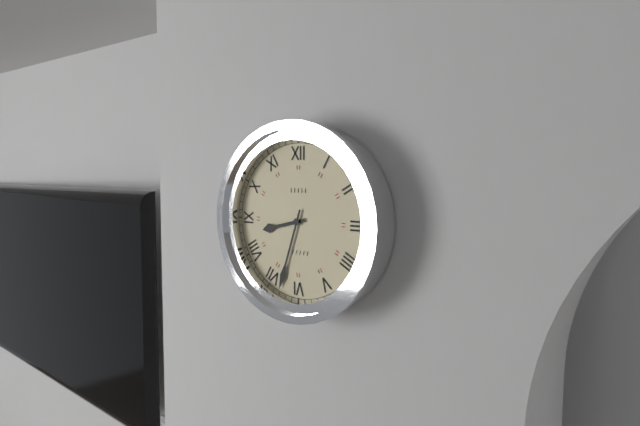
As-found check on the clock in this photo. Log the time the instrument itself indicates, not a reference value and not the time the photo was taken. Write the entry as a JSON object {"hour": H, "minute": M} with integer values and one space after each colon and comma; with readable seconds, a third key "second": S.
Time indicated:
{"hour": 8, "minute": 33}
